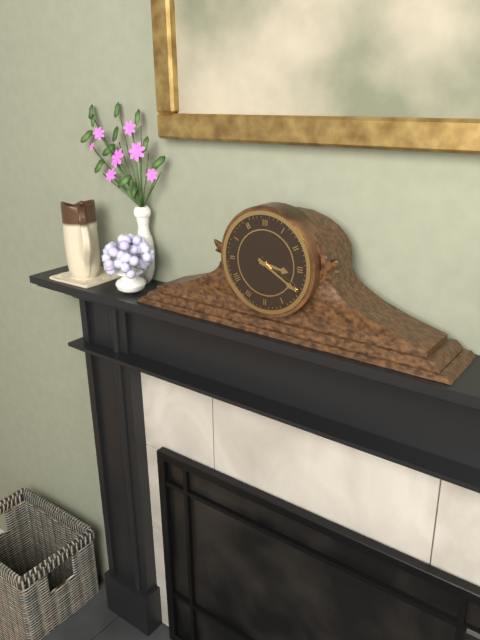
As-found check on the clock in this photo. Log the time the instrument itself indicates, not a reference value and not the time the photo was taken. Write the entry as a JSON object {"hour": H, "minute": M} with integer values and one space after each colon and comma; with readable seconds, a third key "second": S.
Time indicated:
{"hour": 3, "minute": 20}
